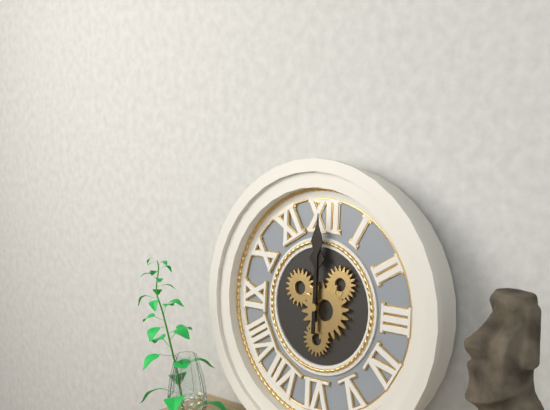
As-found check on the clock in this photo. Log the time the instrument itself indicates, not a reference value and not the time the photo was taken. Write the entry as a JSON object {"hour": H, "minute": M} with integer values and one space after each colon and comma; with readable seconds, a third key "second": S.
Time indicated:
{"hour": 12, "minute": 0}
